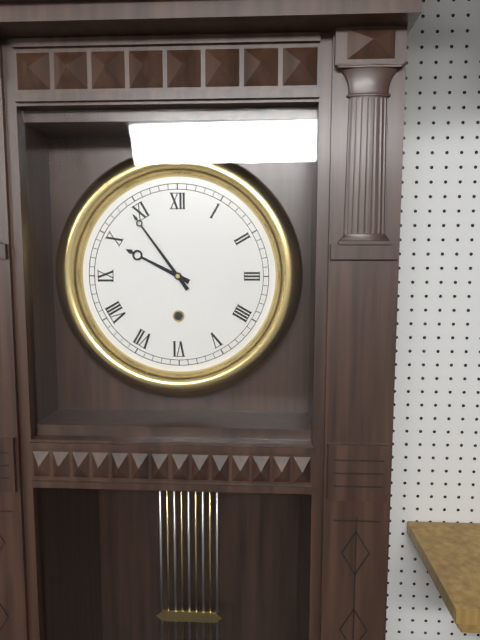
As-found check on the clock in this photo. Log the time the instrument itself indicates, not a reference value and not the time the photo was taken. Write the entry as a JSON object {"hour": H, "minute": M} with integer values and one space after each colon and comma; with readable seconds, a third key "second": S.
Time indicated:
{"hour": 9, "minute": 54}
